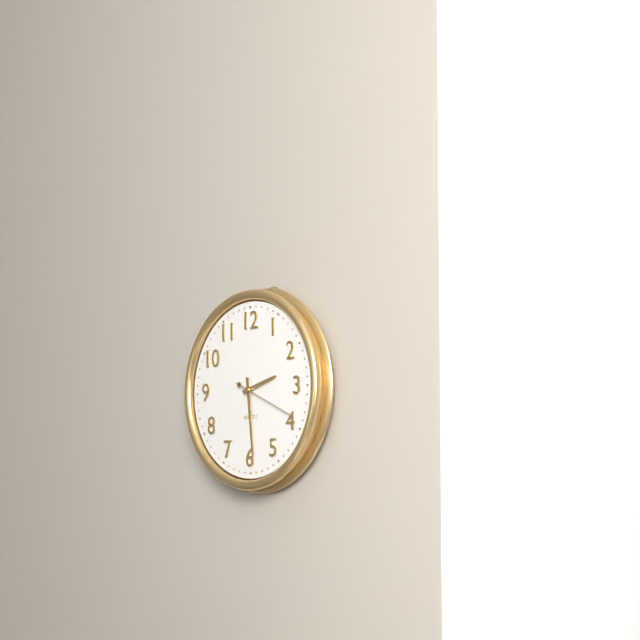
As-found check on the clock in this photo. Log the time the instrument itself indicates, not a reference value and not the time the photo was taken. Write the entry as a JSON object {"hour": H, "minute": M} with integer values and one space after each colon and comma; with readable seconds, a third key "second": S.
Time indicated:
{"hour": 2, "minute": 29, "second": 19}
